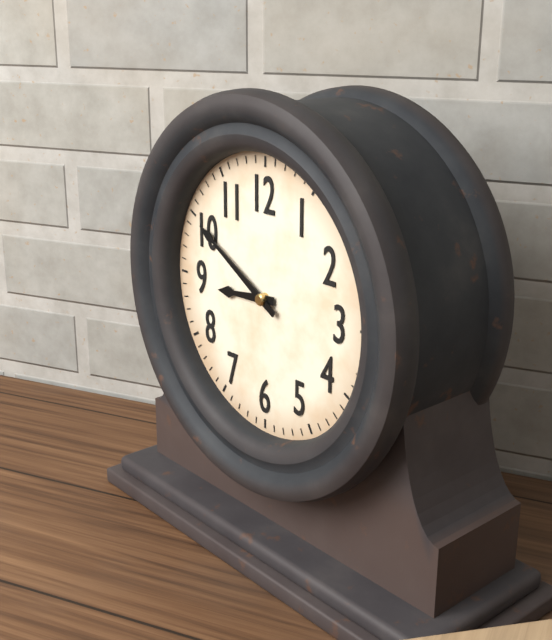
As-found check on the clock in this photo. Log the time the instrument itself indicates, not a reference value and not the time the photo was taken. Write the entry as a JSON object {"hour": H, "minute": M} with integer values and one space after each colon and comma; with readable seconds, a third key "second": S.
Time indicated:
{"hour": 8, "minute": 50}
